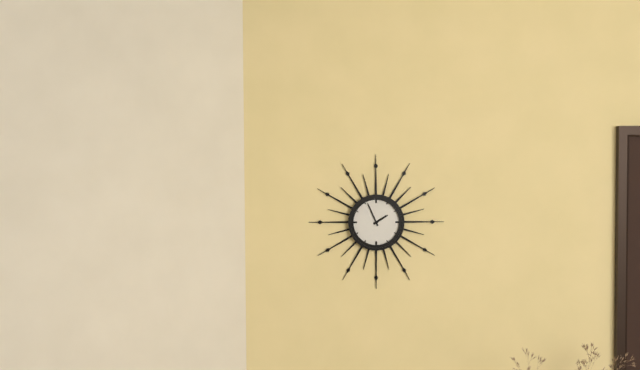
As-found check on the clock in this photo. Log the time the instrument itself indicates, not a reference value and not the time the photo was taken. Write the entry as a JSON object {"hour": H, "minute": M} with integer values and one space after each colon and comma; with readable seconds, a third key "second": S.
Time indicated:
{"hour": 1, "minute": 56}
